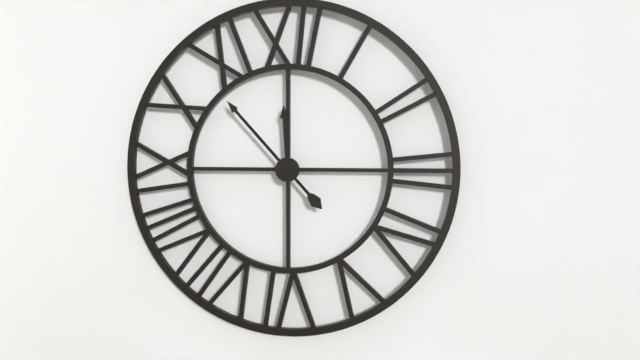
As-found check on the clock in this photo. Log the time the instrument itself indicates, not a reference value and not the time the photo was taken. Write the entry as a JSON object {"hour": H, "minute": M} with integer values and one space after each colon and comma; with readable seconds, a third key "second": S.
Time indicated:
{"hour": 11, "minute": 53}
